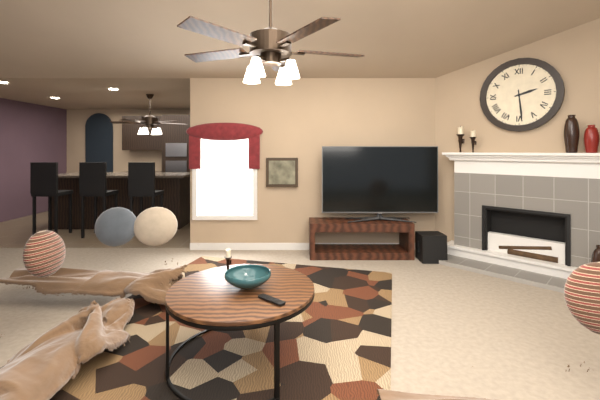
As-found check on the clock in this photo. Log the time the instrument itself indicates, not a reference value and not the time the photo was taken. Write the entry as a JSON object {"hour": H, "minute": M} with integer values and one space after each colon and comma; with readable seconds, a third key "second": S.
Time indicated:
{"hour": 2, "minute": 29}
